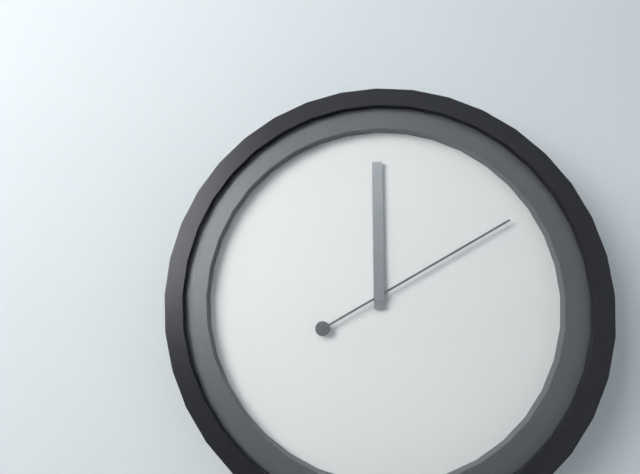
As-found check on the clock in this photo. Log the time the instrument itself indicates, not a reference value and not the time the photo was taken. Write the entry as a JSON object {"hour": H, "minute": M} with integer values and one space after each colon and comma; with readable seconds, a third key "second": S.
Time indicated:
{"hour": 12, "minute": 0, "second": 10}
